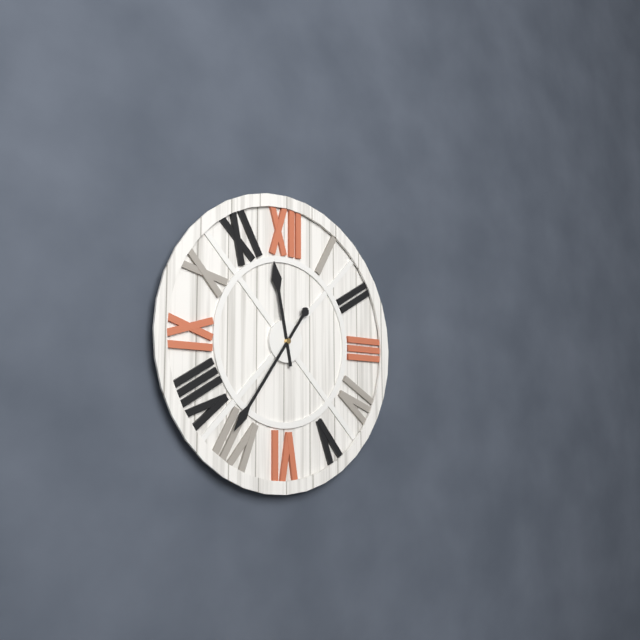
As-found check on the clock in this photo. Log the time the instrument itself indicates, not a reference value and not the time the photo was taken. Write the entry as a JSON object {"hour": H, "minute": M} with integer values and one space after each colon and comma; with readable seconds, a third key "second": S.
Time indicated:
{"hour": 11, "minute": 36}
